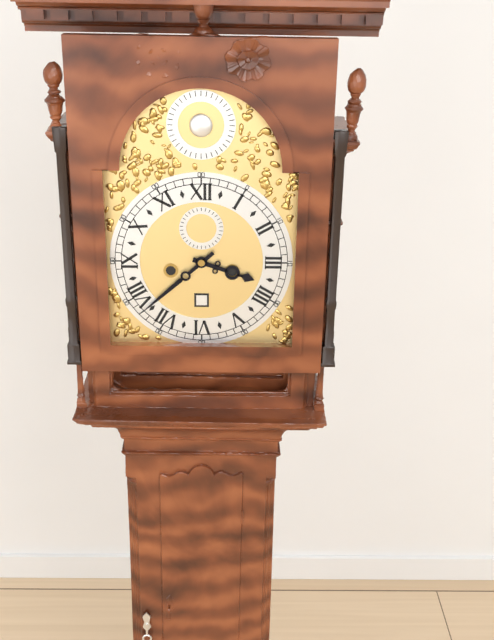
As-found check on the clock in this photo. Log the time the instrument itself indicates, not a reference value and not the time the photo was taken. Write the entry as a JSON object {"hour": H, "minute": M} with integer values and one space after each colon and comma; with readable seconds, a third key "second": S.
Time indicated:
{"hour": 3, "minute": 38}
